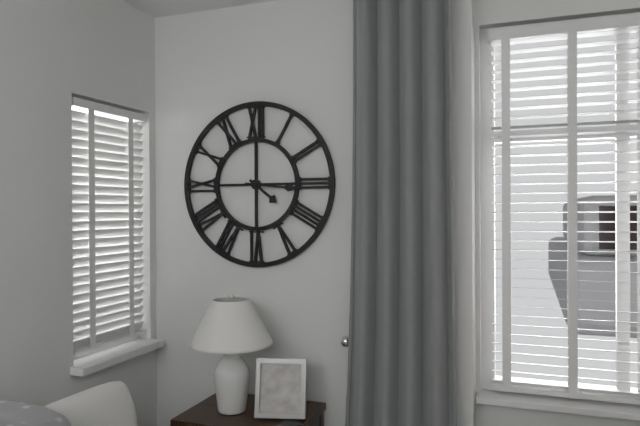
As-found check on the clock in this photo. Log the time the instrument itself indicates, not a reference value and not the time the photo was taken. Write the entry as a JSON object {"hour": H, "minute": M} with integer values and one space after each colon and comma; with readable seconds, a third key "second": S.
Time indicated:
{"hour": 4, "minute": 16}
